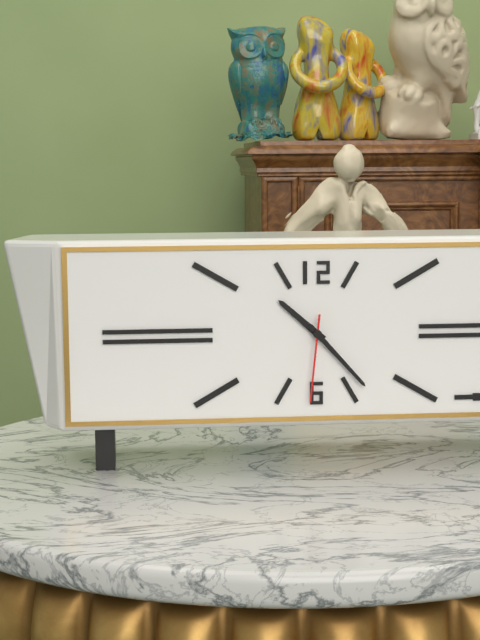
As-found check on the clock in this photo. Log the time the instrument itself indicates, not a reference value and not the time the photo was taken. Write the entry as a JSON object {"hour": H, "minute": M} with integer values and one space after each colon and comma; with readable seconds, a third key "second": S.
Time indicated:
{"hour": 10, "minute": 23, "second": 31}
